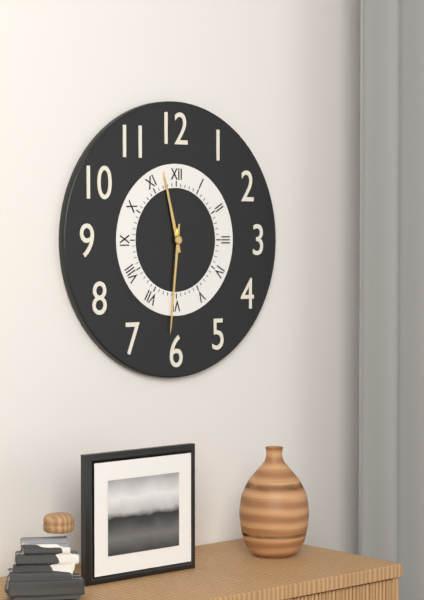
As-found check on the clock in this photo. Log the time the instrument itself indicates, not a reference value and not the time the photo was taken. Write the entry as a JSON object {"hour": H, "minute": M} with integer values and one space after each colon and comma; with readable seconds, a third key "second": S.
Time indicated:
{"hour": 11, "minute": 31}
